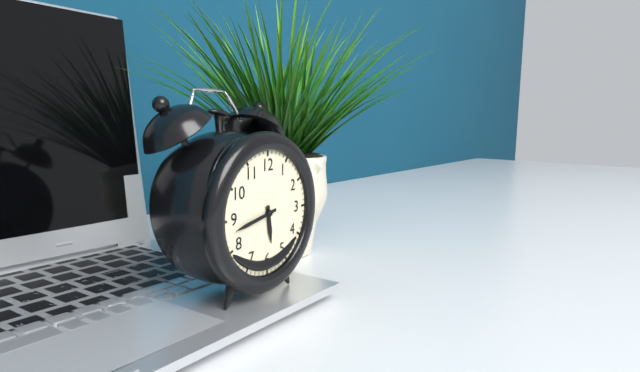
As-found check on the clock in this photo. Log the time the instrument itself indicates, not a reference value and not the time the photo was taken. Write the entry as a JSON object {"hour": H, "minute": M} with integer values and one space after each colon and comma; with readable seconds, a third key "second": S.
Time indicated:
{"hour": 5, "minute": 43}
